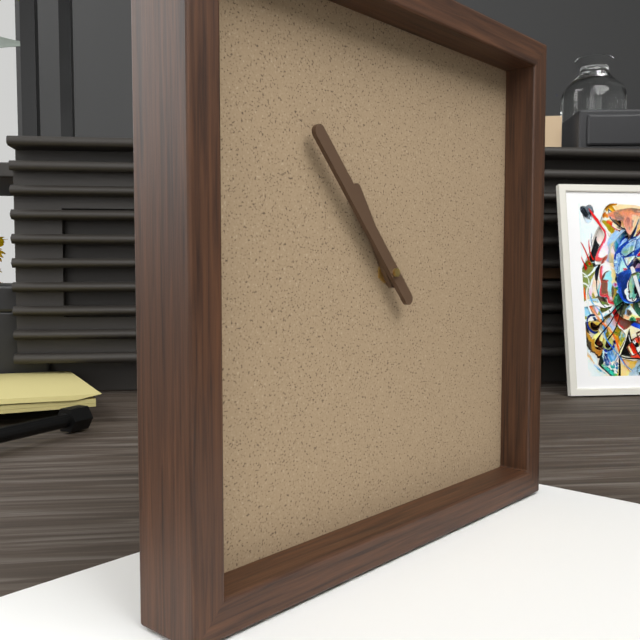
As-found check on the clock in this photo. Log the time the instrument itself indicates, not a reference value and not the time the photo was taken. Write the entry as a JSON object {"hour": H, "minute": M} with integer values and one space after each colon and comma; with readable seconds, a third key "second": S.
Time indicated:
{"hour": 10, "minute": 53}
